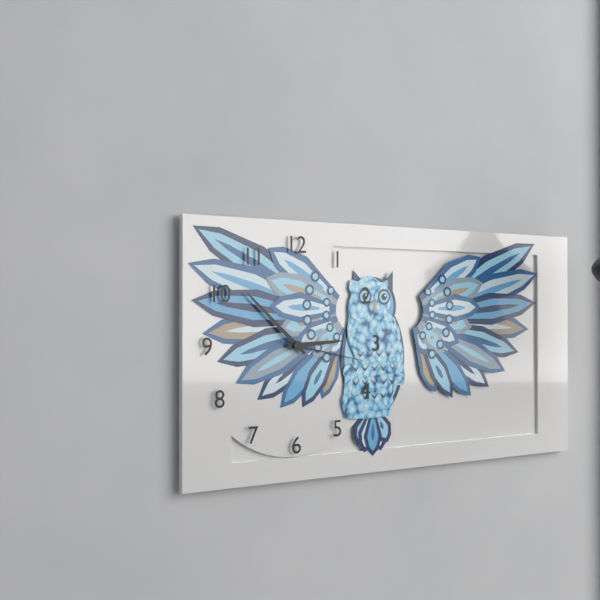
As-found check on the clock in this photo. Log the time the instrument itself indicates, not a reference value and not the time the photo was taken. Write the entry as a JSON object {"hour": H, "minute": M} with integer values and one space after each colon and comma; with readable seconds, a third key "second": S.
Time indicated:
{"hour": 2, "minute": 52, "second": 17}
